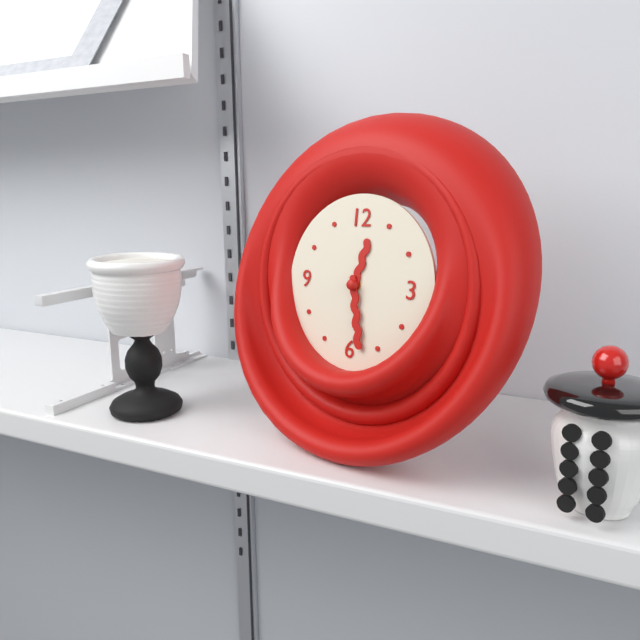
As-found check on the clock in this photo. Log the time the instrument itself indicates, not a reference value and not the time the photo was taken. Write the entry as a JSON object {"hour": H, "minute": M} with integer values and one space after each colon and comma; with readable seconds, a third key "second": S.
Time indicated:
{"hour": 12, "minute": 28}
